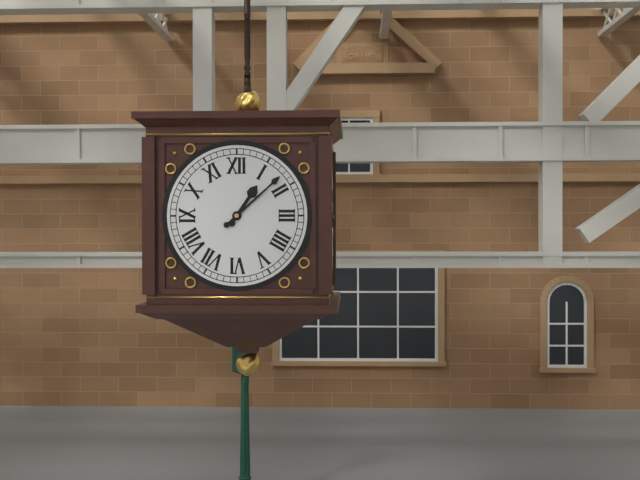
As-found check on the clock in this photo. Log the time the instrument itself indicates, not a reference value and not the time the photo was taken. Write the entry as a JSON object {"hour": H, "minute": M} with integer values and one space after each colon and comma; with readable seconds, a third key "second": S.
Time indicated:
{"hour": 1, "minute": 8}
